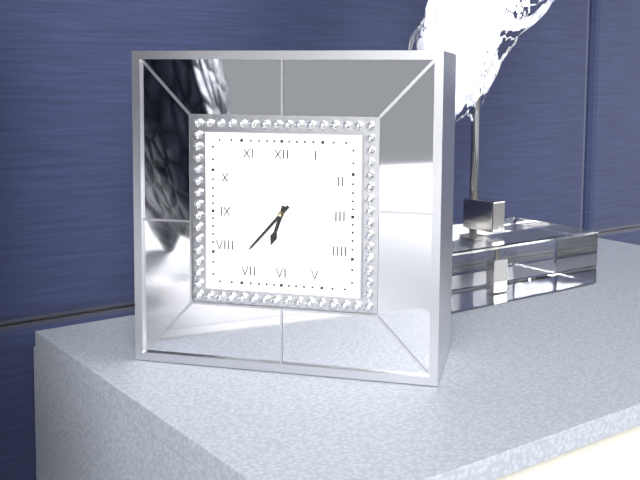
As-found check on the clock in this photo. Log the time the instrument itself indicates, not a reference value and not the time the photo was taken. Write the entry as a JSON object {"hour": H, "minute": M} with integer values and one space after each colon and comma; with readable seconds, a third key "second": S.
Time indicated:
{"hour": 6, "minute": 37}
